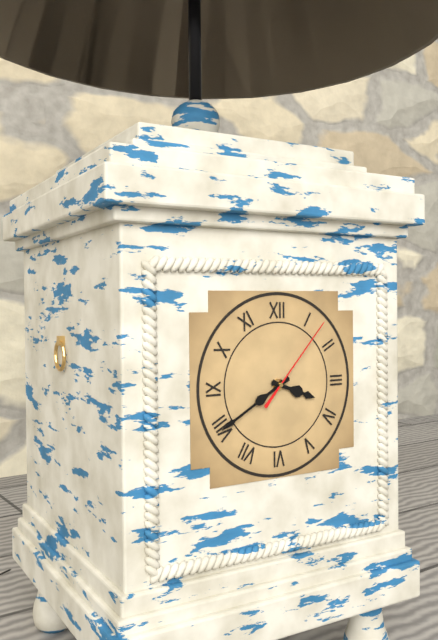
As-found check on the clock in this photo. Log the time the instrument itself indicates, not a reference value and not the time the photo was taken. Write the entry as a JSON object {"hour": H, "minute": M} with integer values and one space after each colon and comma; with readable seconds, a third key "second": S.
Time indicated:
{"hour": 3, "minute": 40, "second": 7}
